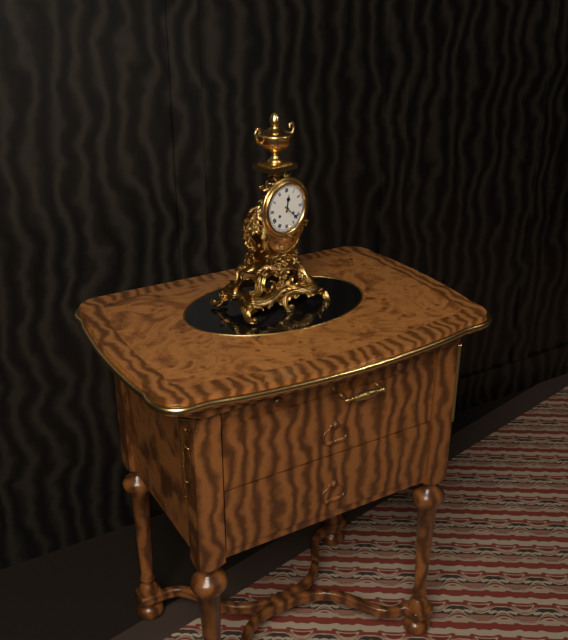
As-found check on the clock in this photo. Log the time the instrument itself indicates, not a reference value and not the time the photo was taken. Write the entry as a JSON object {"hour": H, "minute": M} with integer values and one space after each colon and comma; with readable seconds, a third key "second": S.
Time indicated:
{"hour": 12, "minute": 22}
